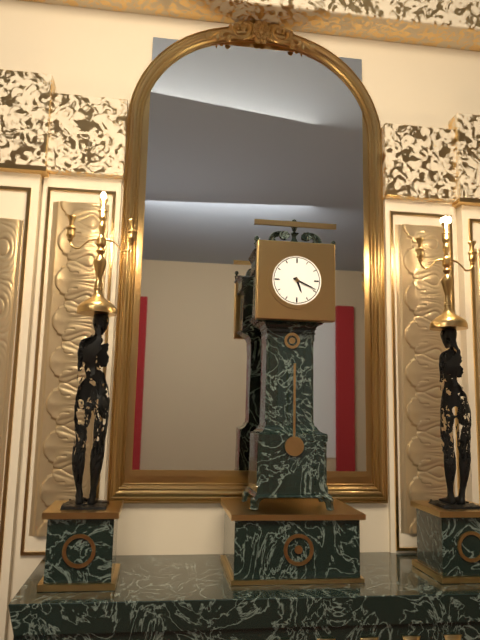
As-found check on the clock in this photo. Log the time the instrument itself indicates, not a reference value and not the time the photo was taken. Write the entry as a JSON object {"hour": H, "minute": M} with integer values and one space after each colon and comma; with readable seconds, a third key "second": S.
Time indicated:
{"hour": 5, "minute": 19}
